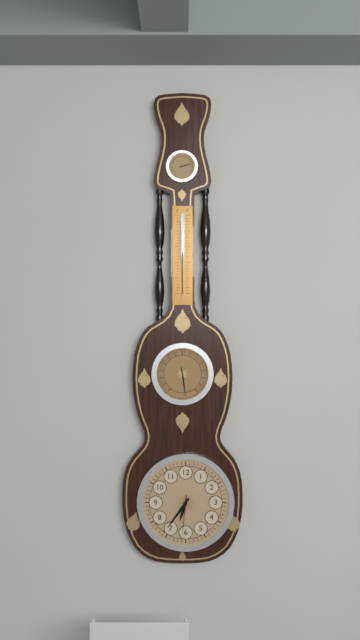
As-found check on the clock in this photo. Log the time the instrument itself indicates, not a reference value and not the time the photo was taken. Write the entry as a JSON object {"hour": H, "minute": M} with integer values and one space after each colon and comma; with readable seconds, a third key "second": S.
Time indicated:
{"hour": 6, "minute": 36}
